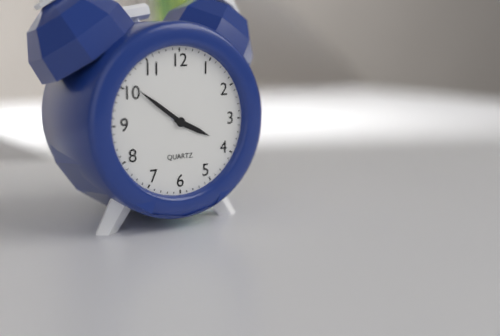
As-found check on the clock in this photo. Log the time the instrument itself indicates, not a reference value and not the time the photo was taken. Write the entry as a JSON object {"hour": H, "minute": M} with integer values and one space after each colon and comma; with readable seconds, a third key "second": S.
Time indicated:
{"hour": 3, "minute": 51}
